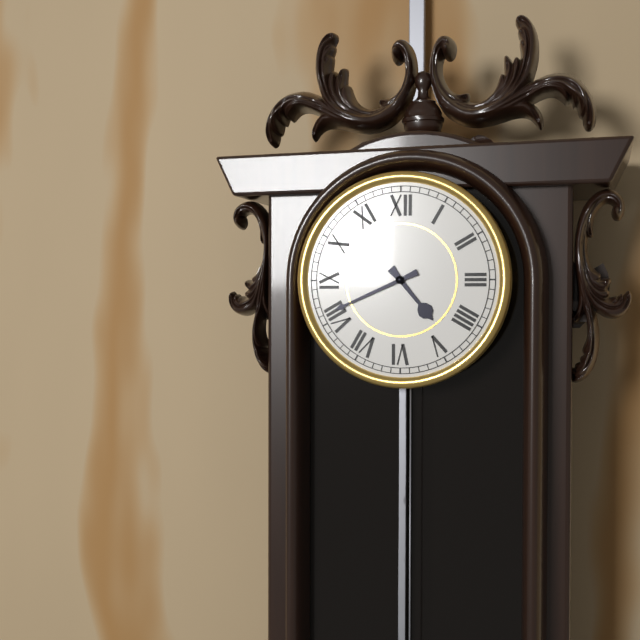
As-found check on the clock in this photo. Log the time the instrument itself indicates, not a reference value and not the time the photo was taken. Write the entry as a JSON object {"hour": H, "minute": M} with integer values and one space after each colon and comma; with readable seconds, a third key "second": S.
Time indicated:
{"hour": 4, "minute": 41}
